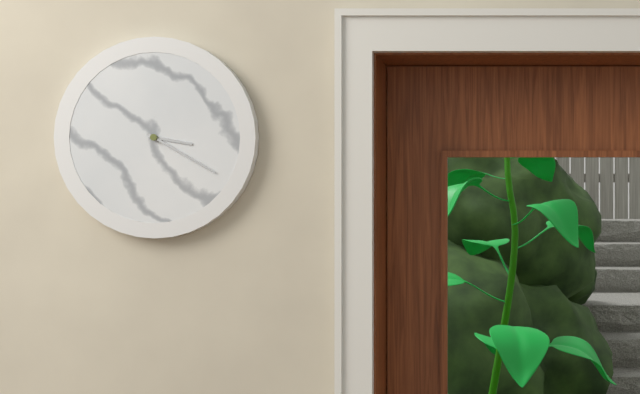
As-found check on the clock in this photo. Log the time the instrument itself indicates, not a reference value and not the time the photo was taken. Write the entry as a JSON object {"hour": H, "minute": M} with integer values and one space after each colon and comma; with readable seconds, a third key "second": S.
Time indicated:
{"hour": 3, "minute": 20}
